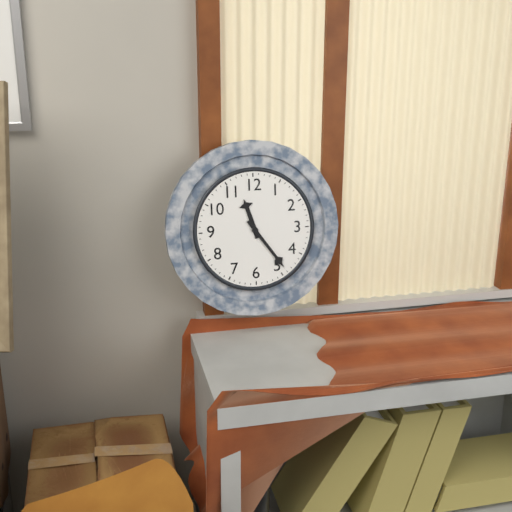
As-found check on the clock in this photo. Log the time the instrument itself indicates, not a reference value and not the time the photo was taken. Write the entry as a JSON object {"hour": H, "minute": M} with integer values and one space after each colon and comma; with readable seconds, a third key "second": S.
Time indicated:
{"hour": 11, "minute": 24}
